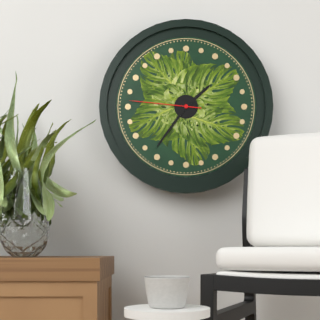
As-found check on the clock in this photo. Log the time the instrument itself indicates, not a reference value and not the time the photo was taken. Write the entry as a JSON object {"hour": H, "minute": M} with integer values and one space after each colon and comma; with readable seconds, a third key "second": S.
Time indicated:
{"hour": 1, "minute": 36, "second": 46}
